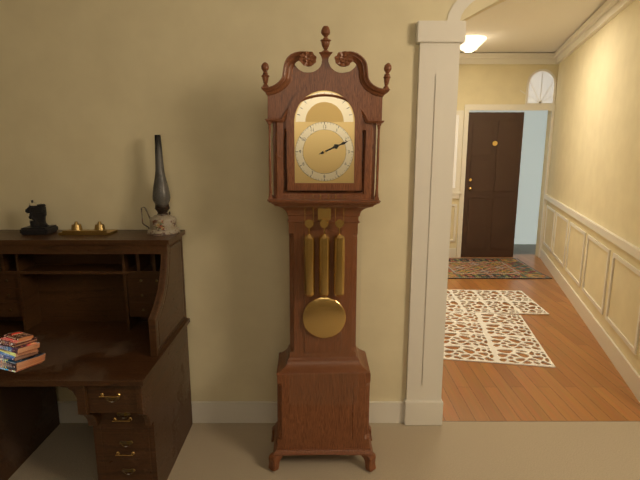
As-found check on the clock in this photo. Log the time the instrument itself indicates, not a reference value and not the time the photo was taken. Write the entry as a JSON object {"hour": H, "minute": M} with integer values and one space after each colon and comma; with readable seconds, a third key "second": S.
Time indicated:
{"hour": 2, "minute": 11}
